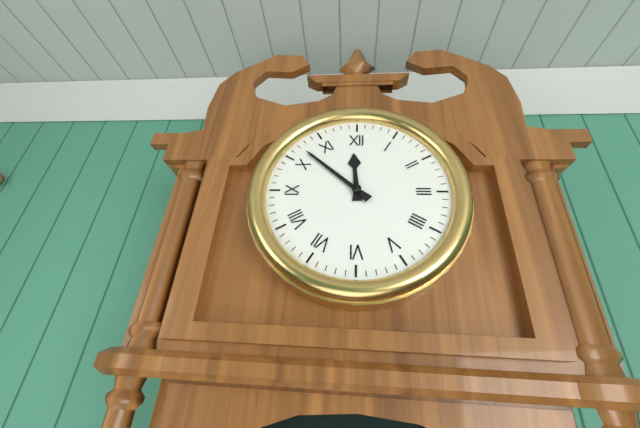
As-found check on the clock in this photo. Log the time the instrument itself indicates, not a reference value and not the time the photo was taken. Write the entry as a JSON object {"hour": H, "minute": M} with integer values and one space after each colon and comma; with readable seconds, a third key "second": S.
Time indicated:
{"hour": 11, "minute": 52}
